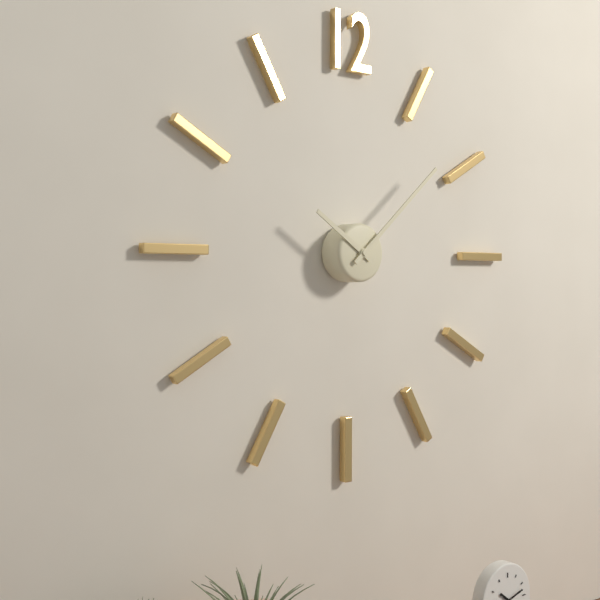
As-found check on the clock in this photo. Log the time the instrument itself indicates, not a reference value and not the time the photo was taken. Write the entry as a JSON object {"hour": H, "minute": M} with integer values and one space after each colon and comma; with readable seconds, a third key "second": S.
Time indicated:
{"hour": 10, "minute": 8}
